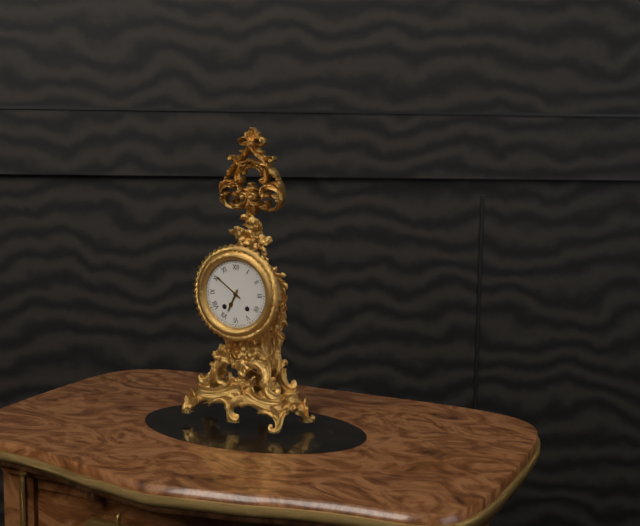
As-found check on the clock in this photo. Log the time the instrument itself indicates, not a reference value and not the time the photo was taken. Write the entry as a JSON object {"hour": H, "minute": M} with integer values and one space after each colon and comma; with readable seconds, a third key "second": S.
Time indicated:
{"hour": 6, "minute": 51}
